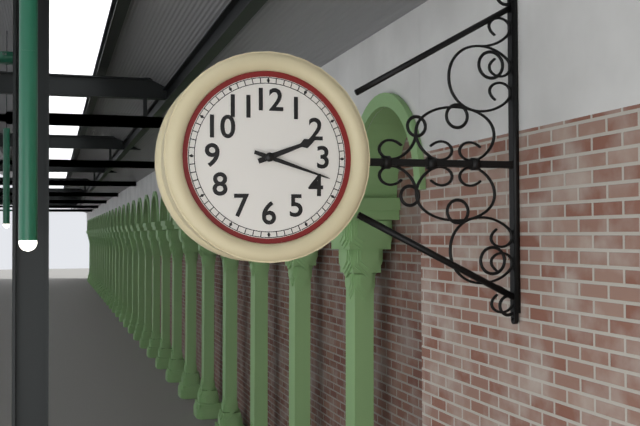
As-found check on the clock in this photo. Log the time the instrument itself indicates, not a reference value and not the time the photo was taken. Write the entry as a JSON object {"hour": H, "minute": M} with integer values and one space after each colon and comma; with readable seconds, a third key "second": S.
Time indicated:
{"hour": 2, "minute": 18}
